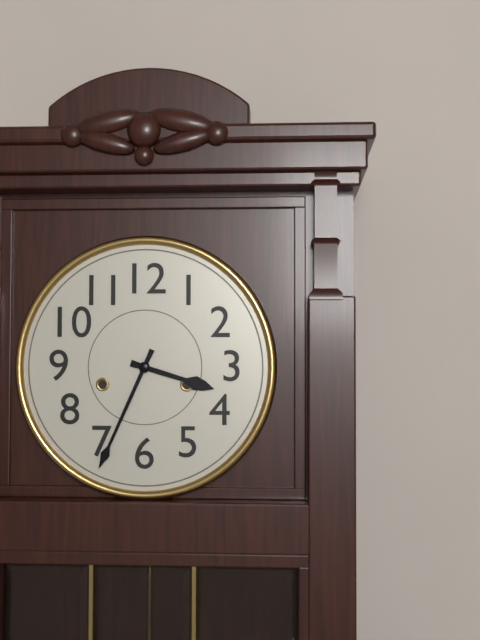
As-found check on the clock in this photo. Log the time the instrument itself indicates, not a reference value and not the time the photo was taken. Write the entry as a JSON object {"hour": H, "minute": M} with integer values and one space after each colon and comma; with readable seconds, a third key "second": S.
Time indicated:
{"hour": 3, "minute": 34}
